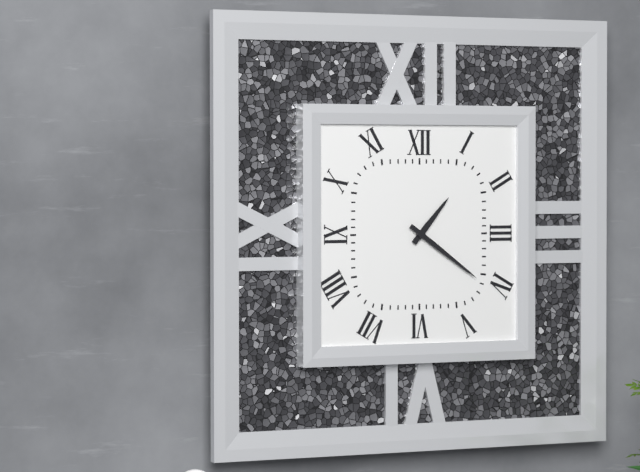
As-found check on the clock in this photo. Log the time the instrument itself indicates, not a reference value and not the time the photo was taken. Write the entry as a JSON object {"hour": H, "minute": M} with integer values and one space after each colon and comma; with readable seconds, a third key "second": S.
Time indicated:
{"hour": 1, "minute": 21}
